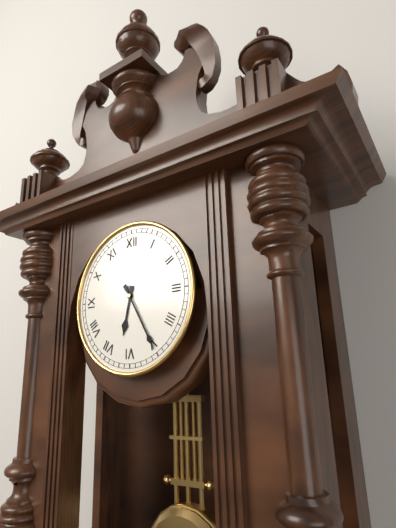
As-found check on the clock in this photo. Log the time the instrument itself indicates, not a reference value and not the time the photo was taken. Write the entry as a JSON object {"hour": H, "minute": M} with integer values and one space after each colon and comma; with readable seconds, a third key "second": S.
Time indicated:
{"hour": 6, "minute": 25}
